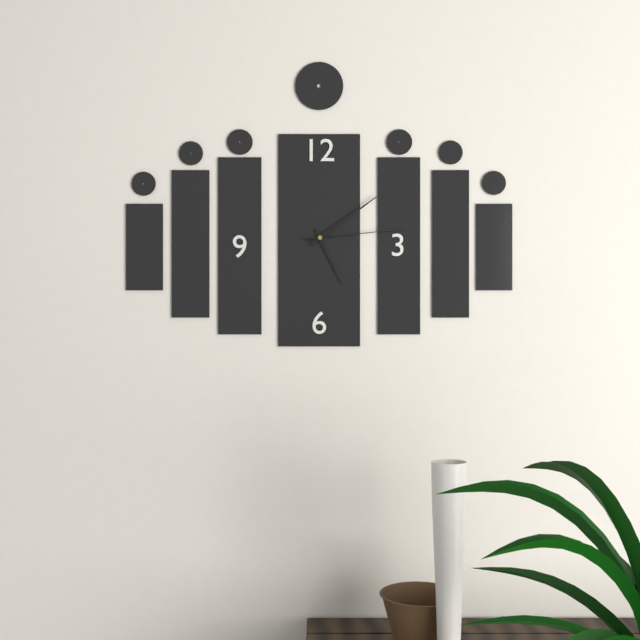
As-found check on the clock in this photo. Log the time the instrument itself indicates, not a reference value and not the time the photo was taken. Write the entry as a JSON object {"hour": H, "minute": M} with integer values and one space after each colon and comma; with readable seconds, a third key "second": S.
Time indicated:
{"hour": 5, "minute": 9, "second": 14}
